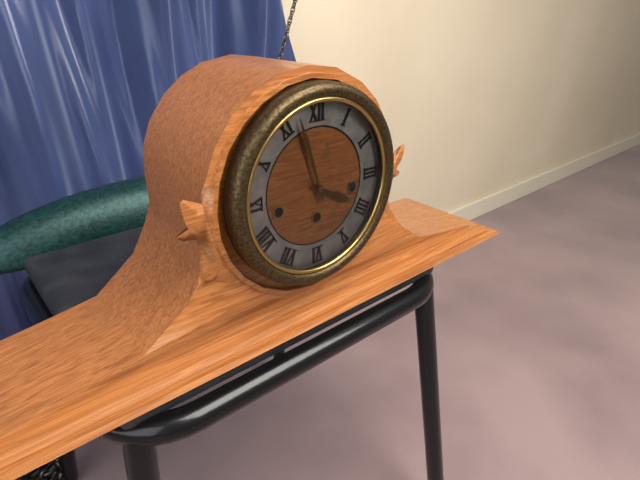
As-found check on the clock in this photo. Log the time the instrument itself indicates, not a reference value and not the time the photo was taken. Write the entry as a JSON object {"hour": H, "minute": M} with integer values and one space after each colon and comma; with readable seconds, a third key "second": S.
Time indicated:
{"hour": 3, "minute": 57}
